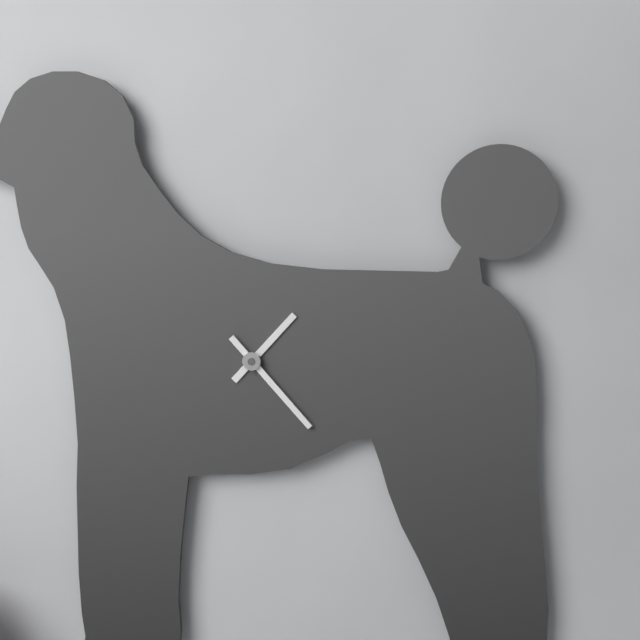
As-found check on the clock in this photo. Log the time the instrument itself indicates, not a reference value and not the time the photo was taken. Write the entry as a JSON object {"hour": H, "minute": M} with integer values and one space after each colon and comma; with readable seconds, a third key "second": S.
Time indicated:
{"hour": 1, "minute": 23}
